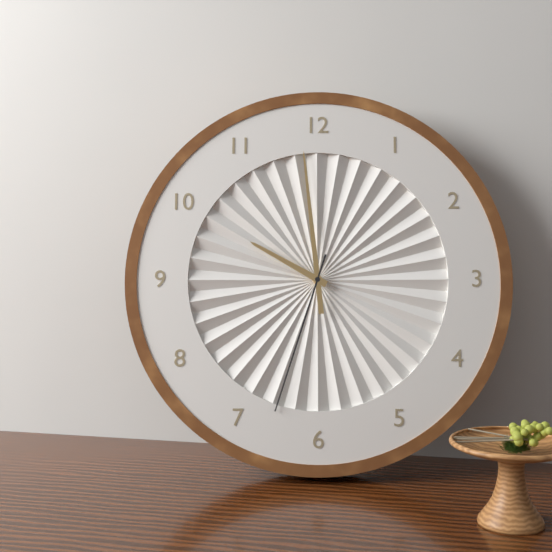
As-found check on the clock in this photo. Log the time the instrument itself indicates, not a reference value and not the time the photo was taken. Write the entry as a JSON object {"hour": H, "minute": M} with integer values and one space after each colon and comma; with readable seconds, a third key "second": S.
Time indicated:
{"hour": 9, "minute": 59, "second": 33}
